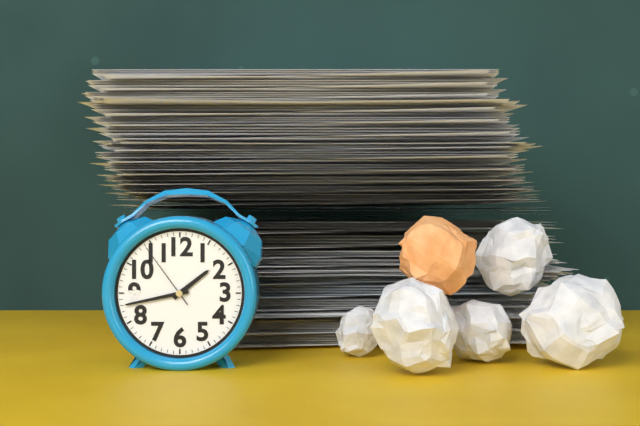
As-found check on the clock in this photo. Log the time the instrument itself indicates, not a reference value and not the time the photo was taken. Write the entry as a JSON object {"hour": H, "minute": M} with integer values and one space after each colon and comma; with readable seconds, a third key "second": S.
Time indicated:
{"hour": 1, "minute": 43, "second": 54}
